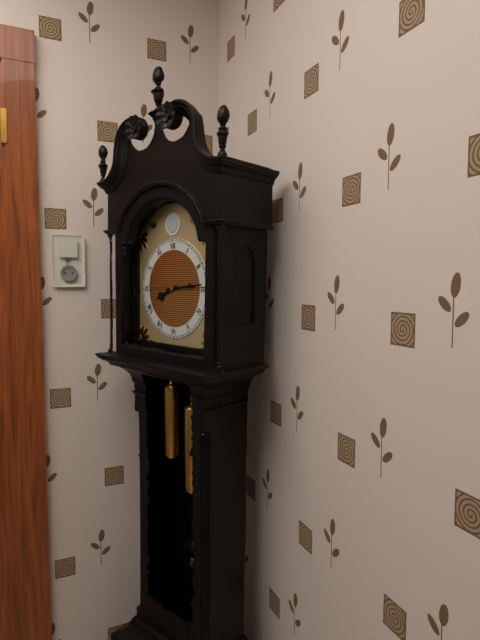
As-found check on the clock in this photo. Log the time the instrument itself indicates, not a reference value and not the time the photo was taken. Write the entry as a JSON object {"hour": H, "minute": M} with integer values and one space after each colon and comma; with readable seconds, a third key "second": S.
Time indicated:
{"hour": 8, "minute": 14}
